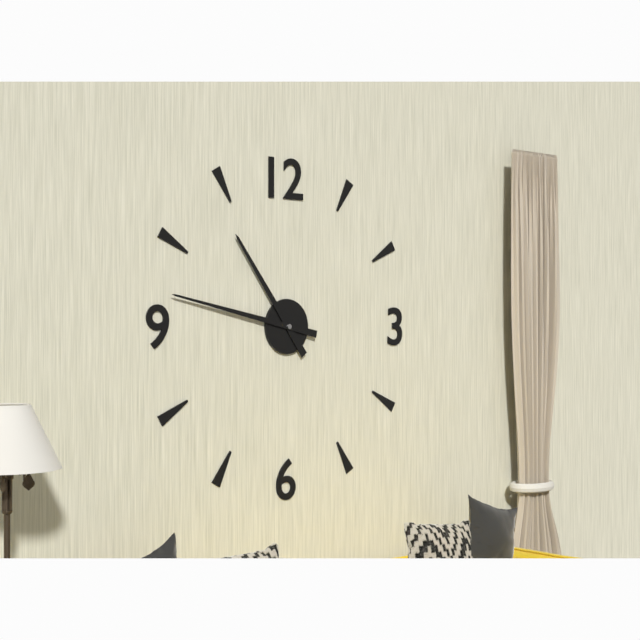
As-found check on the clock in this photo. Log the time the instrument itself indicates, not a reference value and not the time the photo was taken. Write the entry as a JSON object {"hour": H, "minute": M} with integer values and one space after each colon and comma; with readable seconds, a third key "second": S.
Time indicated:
{"hour": 10, "minute": 47}
